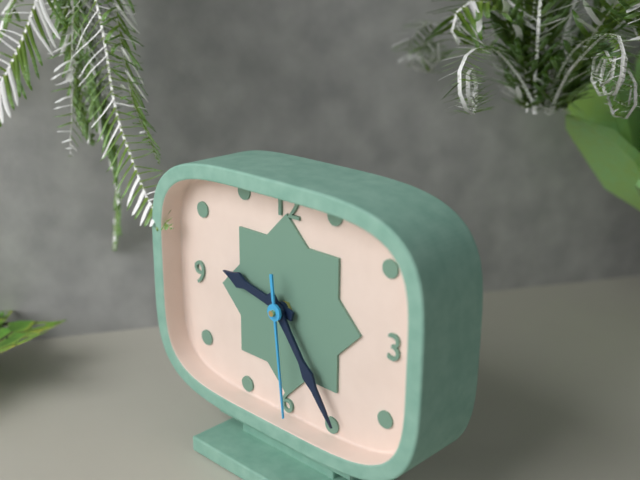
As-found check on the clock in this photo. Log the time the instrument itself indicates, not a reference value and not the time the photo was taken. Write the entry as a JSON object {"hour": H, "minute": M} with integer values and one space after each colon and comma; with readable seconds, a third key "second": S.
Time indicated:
{"hour": 9, "minute": 24, "second": 29}
